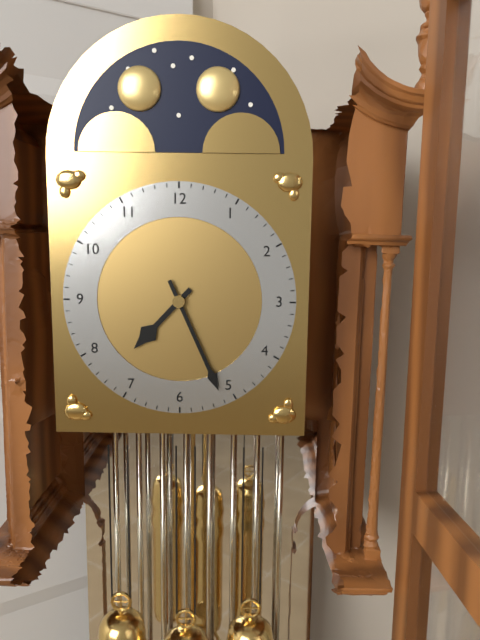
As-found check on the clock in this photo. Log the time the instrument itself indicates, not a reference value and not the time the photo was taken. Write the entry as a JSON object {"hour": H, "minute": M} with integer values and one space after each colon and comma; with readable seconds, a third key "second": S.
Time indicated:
{"hour": 7, "minute": 26}
